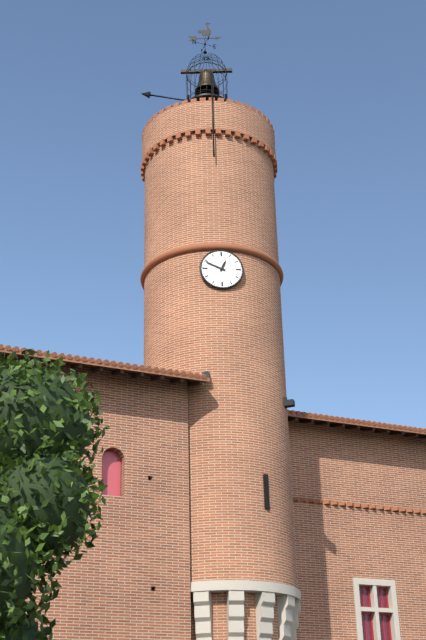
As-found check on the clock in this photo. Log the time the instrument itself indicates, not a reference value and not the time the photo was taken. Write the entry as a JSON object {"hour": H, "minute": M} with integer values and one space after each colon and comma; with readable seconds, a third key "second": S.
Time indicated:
{"hour": 12, "minute": 49}
